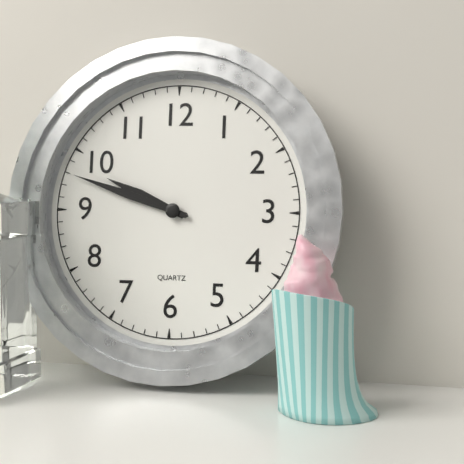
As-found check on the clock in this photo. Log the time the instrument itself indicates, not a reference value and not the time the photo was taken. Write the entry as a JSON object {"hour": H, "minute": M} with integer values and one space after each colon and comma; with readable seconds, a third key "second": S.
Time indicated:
{"hour": 9, "minute": 48}
